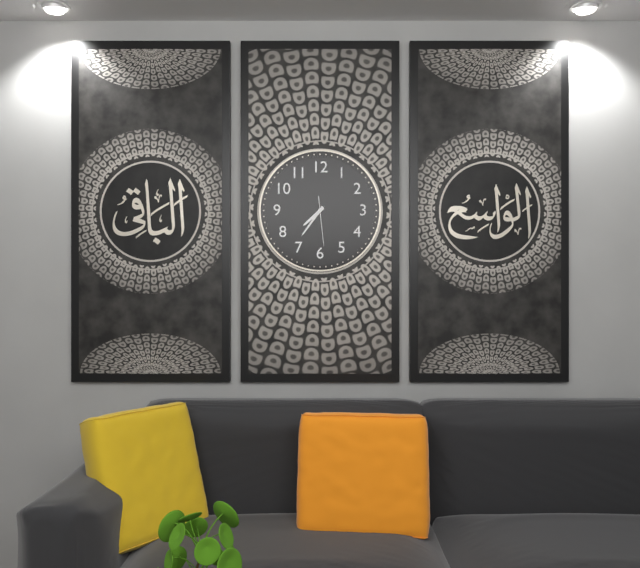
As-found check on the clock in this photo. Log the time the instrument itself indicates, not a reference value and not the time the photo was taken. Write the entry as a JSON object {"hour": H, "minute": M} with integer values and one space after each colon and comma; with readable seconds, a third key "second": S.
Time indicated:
{"hour": 7, "minute": 36}
